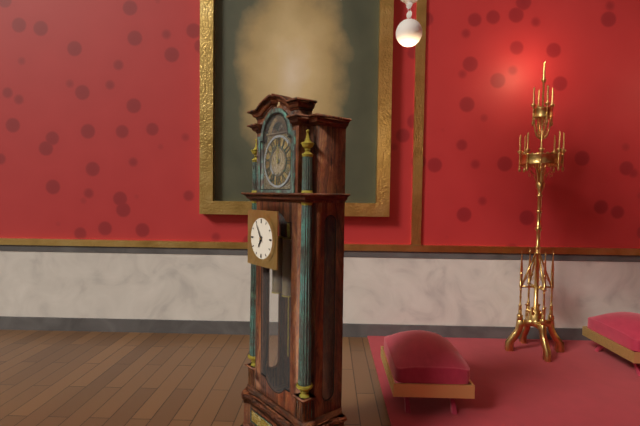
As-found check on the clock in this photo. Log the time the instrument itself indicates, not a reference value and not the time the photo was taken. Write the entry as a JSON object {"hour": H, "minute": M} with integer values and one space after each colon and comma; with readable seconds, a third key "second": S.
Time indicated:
{"hour": 6, "minute": 55}
